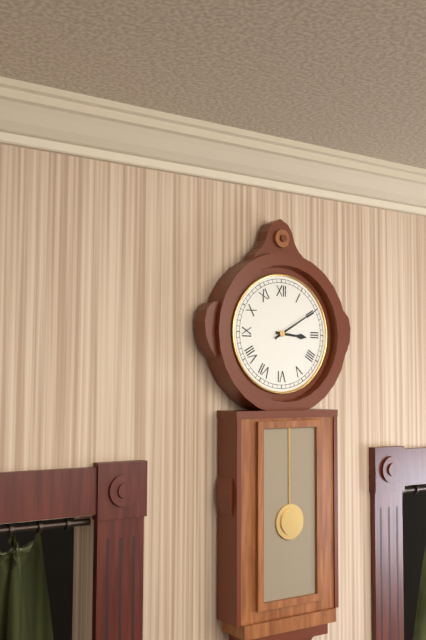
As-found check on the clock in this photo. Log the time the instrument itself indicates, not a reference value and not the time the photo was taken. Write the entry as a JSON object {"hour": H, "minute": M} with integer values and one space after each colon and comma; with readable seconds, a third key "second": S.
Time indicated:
{"hour": 3, "minute": 10}
